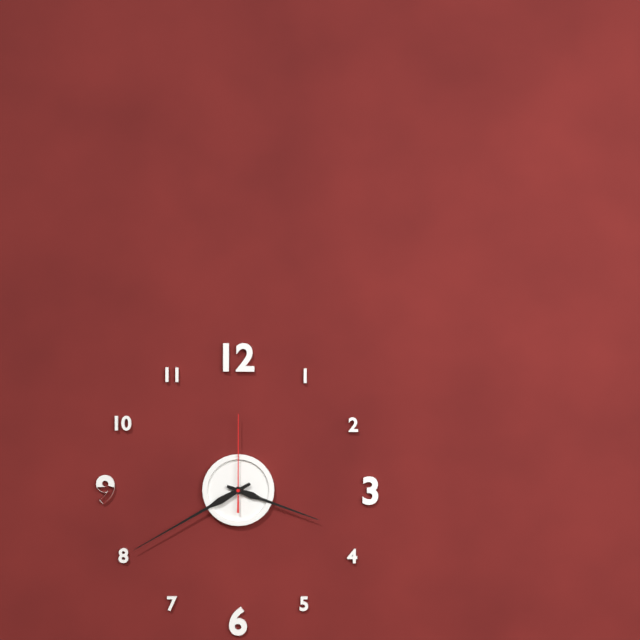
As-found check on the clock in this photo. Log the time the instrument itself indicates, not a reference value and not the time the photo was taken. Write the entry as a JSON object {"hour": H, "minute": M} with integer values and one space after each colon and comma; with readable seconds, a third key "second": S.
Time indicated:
{"hour": 3, "minute": 40, "second": 0}
